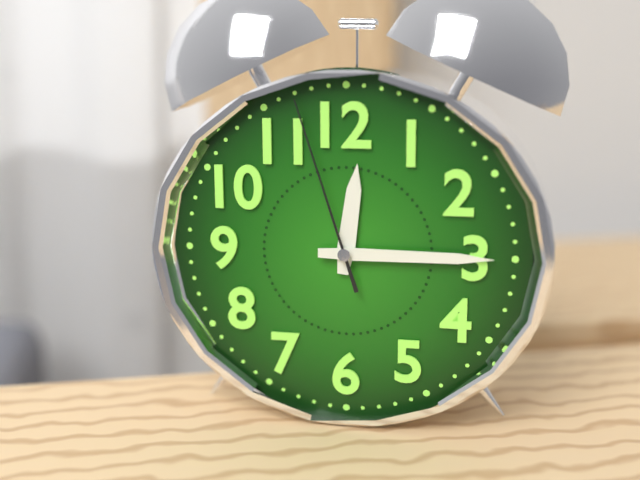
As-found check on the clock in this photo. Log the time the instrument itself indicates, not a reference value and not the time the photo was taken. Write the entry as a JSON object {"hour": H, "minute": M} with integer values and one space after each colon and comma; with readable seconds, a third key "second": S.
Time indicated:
{"hour": 12, "minute": 15, "second": 57}
